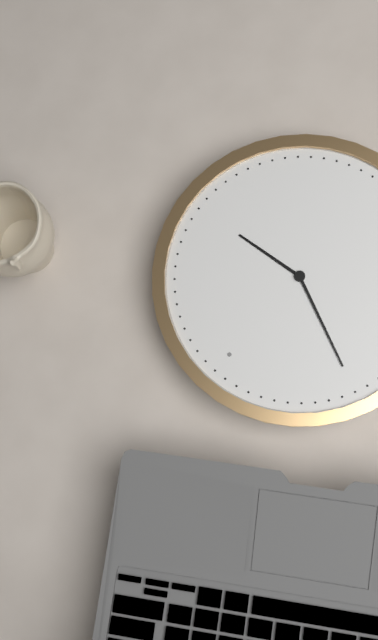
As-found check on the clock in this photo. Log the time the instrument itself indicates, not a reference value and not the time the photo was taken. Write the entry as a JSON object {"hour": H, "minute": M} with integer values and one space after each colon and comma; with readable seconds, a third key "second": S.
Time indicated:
{"hour": 2, "minute": 49}
